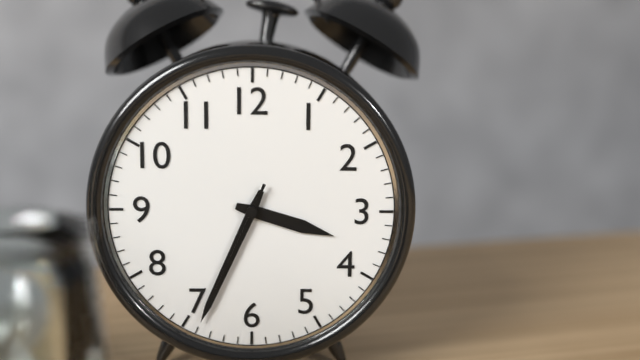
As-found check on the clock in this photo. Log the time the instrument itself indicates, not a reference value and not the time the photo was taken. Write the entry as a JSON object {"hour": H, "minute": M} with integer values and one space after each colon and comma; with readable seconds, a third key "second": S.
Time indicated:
{"hour": 3, "minute": 34, "second": 34}
